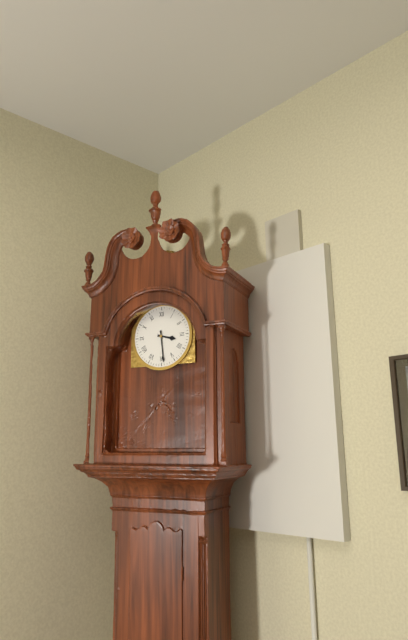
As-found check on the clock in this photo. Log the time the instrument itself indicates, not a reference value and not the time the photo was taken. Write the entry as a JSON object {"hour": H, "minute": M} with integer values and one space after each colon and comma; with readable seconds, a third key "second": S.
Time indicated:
{"hour": 3, "minute": 29}
